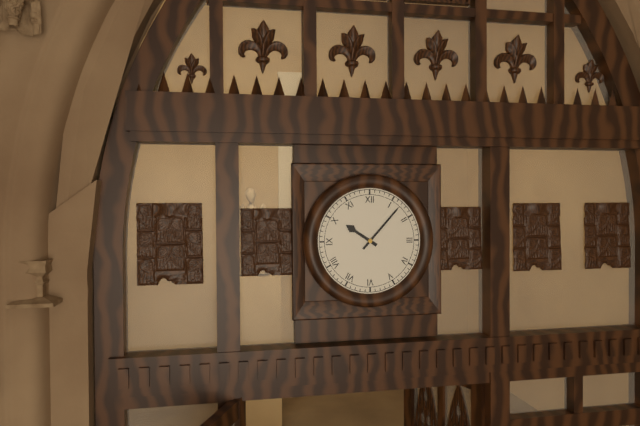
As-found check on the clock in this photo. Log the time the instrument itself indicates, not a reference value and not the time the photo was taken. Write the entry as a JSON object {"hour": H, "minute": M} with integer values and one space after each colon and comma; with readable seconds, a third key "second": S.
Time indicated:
{"hour": 10, "minute": 7}
